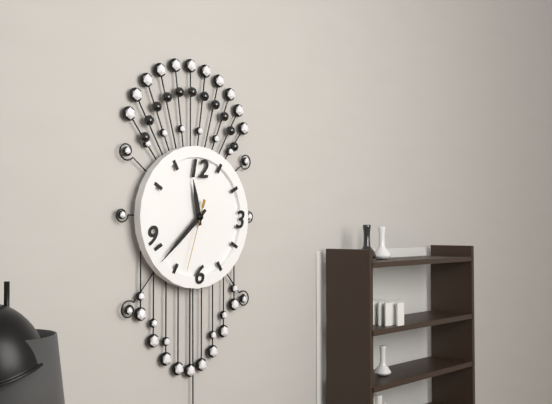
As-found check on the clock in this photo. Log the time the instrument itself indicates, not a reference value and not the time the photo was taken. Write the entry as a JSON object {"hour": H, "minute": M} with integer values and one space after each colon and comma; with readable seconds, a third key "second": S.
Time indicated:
{"hour": 11, "minute": 38, "second": 33}
